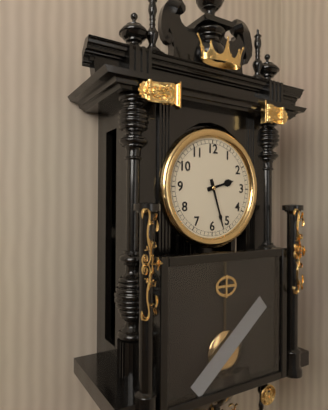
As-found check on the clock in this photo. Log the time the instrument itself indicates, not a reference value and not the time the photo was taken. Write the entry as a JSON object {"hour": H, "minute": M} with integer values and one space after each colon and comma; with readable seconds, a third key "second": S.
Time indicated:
{"hour": 2, "minute": 27}
